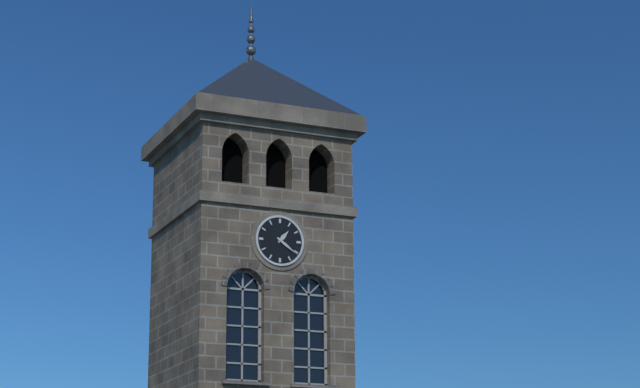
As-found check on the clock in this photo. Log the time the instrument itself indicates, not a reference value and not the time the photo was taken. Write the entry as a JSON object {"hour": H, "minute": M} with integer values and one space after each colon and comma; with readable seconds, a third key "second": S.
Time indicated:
{"hour": 1, "minute": 21}
